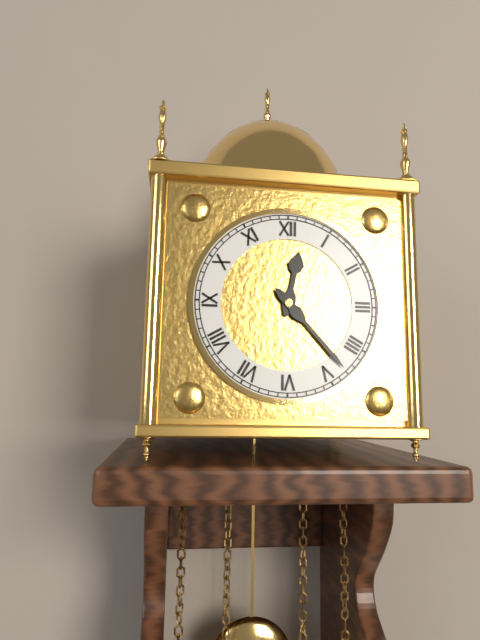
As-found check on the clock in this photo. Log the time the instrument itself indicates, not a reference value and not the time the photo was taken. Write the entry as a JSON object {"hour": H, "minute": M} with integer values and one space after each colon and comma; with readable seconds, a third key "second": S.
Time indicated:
{"hour": 12, "minute": 23}
